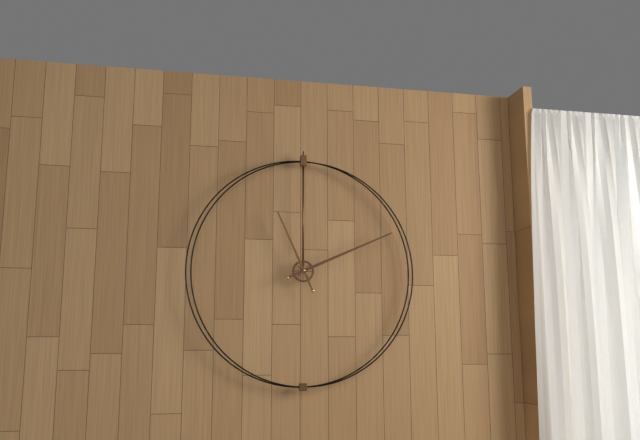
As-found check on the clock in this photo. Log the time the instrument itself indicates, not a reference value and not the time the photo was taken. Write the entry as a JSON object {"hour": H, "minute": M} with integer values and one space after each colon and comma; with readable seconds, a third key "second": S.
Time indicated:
{"hour": 11, "minute": 11}
